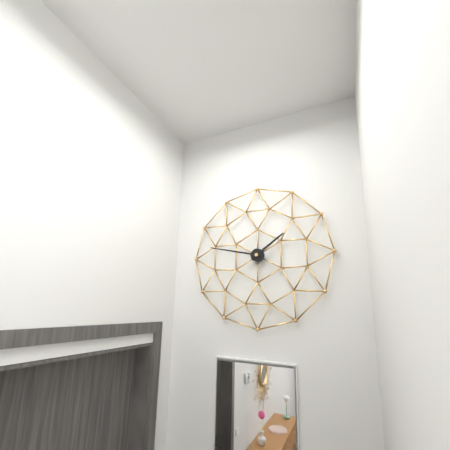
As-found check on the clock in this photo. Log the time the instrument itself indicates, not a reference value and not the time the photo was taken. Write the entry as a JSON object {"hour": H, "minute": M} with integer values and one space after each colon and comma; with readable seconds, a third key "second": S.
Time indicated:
{"hour": 1, "minute": 47}
